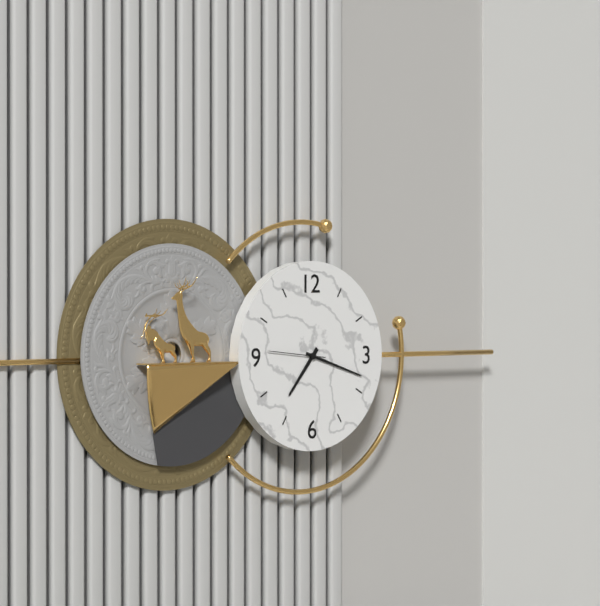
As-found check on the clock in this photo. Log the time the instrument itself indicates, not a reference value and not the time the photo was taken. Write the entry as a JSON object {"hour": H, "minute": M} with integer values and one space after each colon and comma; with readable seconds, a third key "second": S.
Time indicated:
{"hour": 7, "minute": 18, "second": 46}
